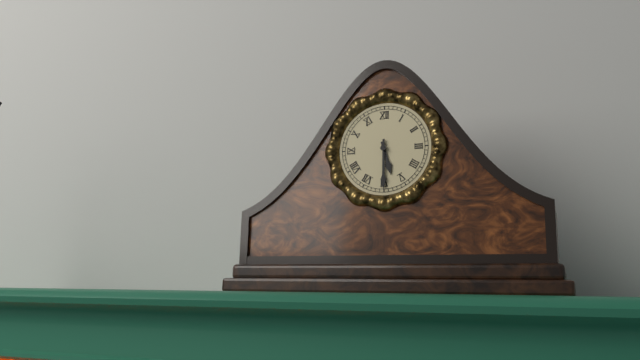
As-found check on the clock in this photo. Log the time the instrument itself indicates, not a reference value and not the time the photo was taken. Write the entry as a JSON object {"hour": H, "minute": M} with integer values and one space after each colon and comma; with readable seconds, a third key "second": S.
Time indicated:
{"hour": 5, "minute": 30}
